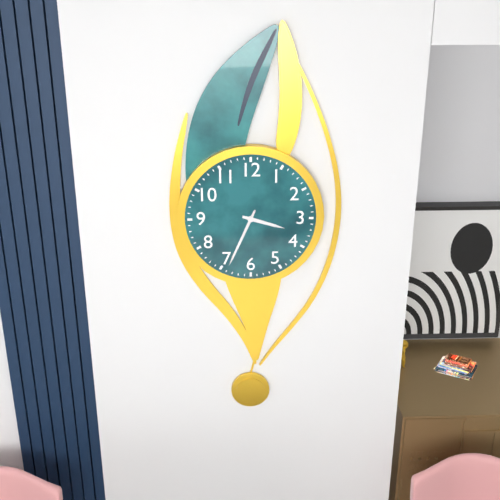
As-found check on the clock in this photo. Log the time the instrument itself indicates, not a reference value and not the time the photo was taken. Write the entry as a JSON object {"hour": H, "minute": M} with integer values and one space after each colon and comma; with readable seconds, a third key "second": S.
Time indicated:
{"hour": 3, "minute": 34}
